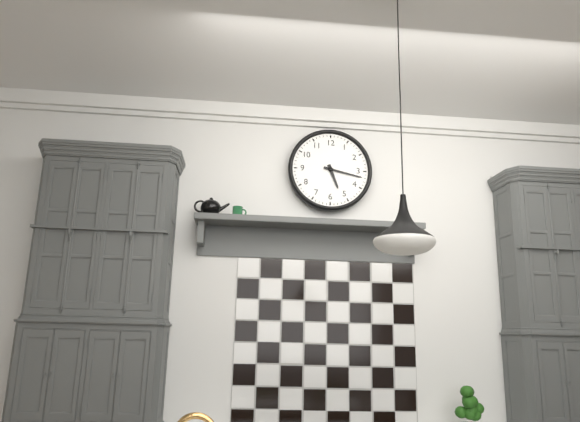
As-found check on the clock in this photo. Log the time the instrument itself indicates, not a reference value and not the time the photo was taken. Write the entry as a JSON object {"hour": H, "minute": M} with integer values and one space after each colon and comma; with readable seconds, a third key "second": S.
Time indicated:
{"hour": 5, "minute": 17}
